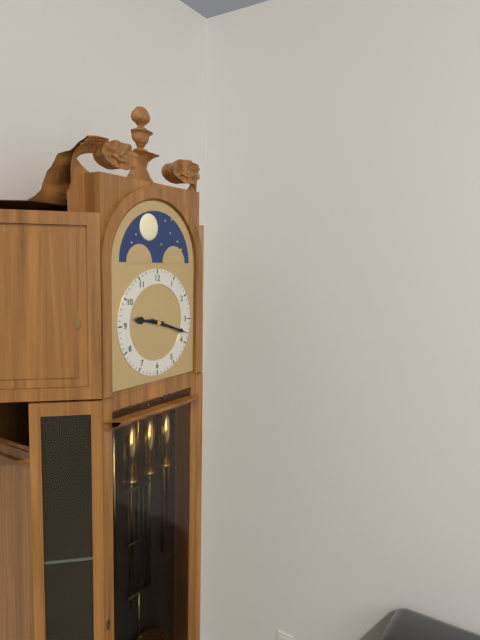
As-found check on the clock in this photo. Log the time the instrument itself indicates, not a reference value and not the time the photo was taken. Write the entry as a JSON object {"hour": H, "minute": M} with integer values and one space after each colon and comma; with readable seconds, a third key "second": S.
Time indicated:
{"hour": 9, "minute": 18}
